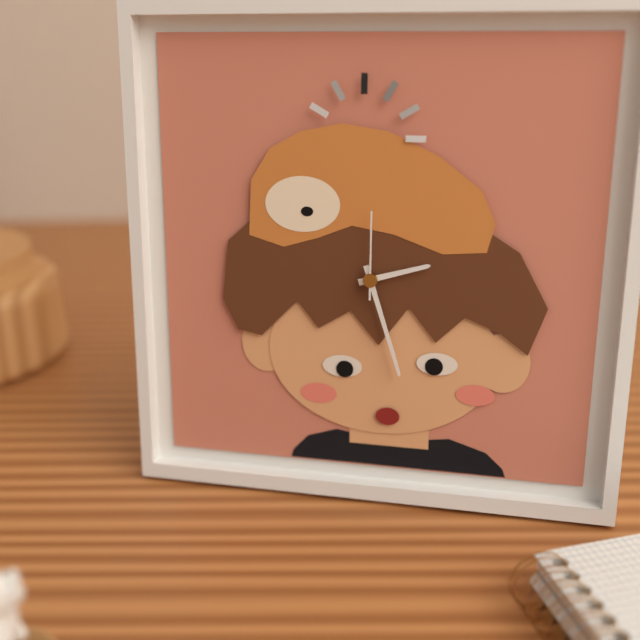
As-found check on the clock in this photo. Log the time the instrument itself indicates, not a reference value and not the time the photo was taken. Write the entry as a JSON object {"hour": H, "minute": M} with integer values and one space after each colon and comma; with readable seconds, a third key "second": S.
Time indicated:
{"hour": 2, "minute": 27, "second": 0}
